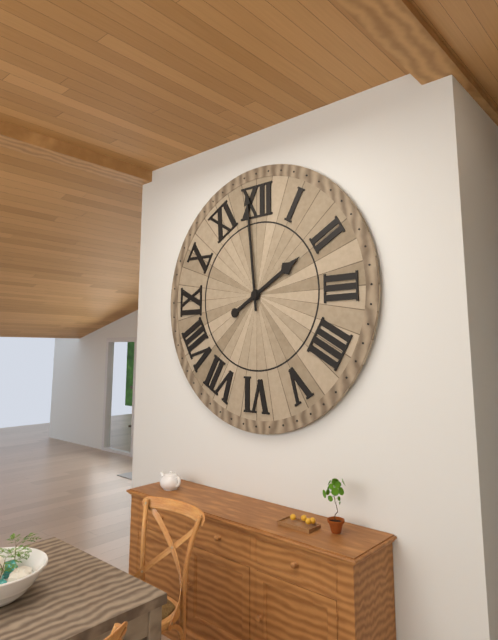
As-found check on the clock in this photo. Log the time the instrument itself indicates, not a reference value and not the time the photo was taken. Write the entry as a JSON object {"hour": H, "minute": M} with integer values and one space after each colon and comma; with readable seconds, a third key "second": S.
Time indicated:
{"hour": 1, "minute": 59}
